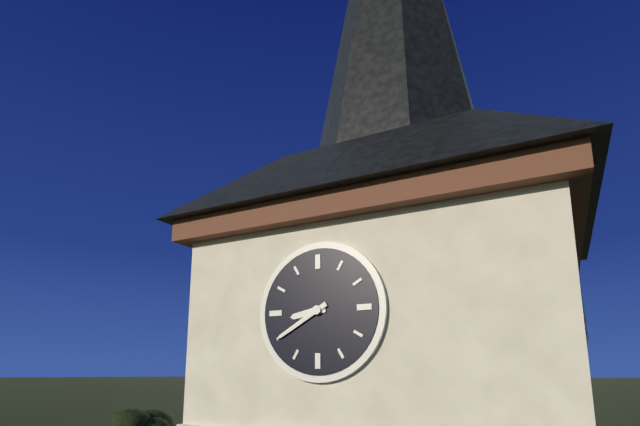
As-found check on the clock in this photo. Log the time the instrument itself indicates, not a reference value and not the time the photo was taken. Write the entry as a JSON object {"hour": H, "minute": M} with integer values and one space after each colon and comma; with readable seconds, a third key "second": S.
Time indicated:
{"hour": 8, "minute": 40}
